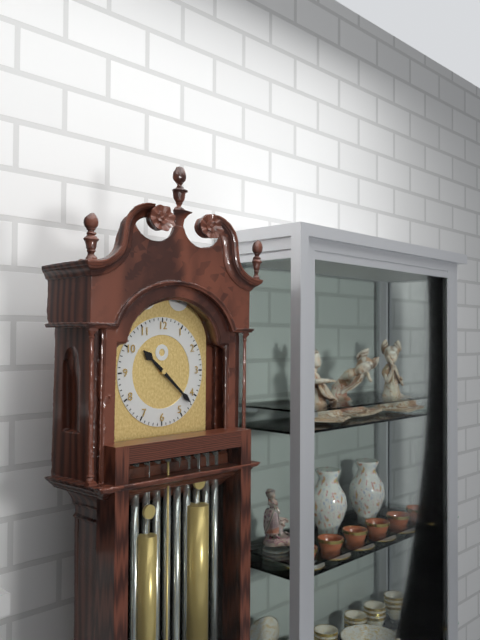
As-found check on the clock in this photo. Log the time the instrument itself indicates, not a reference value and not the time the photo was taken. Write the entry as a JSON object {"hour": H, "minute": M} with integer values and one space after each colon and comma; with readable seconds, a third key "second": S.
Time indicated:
{"hour": 10, "minute": 22}
